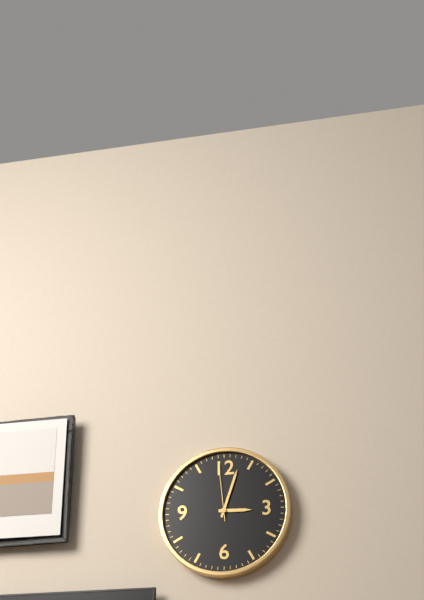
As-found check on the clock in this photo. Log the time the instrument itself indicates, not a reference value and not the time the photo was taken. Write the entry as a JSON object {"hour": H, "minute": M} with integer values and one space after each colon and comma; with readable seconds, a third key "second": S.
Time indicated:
{"hour": 3, "minute": 3, "second": 59}
